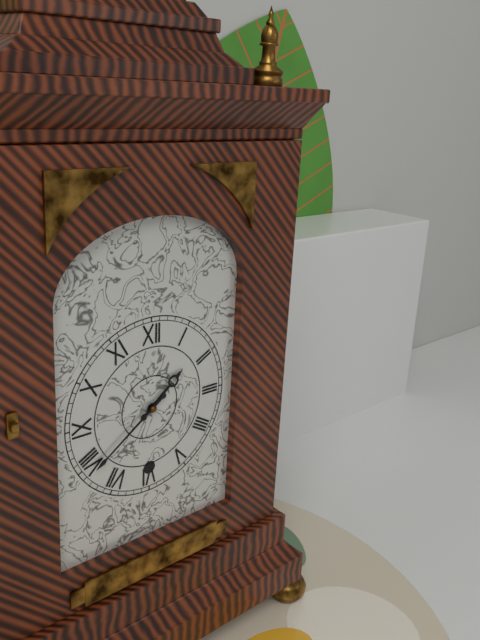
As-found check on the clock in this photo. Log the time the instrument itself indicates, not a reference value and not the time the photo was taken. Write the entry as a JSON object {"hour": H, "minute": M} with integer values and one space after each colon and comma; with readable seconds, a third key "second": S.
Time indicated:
{"hour": 1, "minute": 39}
